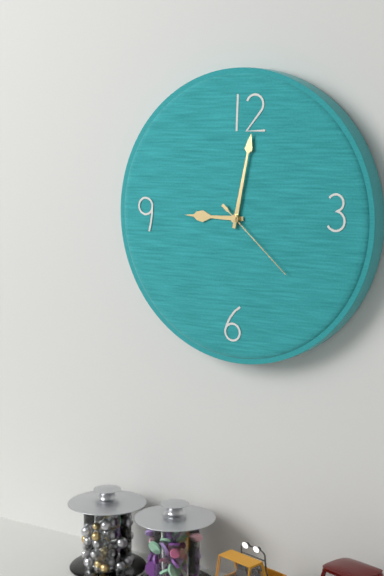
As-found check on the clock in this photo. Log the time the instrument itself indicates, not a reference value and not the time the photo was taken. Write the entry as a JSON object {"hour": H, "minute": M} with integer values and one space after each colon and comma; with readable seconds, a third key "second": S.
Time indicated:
{"hour": 9, "minute": 2, "second": 22}
